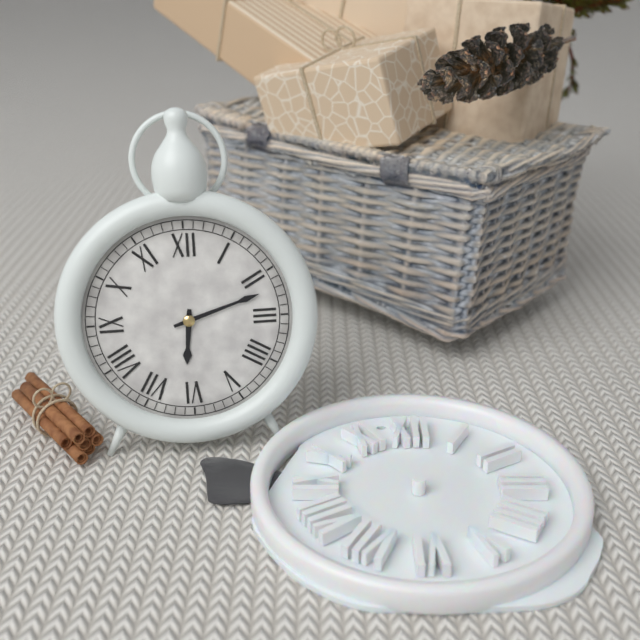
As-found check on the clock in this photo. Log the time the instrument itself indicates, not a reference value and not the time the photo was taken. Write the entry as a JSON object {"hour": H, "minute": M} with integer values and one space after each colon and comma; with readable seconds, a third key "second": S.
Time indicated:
{"hour": 6, "minute": 12}
